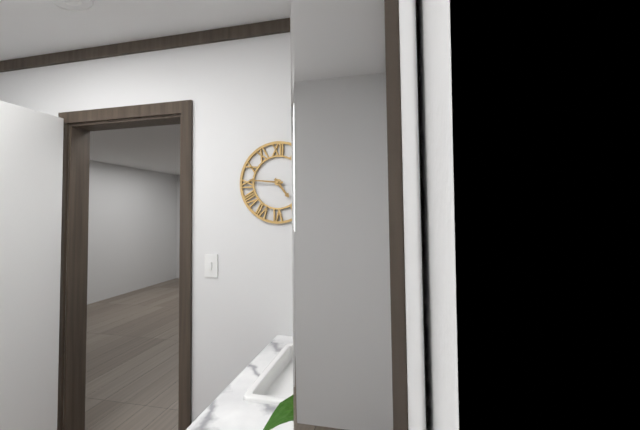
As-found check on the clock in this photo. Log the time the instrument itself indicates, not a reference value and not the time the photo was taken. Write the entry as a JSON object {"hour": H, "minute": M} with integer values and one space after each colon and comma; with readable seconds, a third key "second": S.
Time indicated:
{"hour": 4, "minute": 46}
